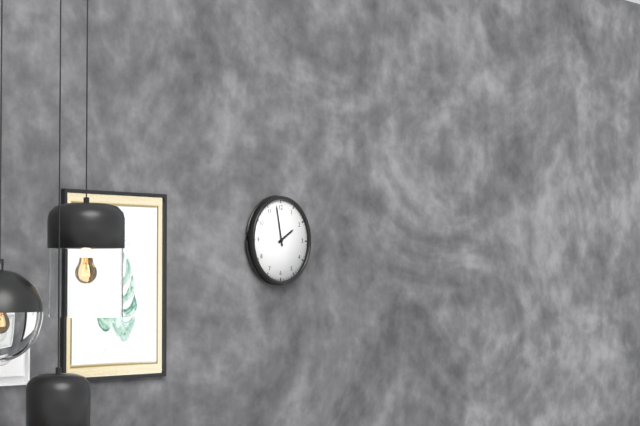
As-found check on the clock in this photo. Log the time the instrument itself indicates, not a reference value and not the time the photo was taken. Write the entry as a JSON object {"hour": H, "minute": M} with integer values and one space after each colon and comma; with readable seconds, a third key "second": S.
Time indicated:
{"hour": 1, "minute": 58}
